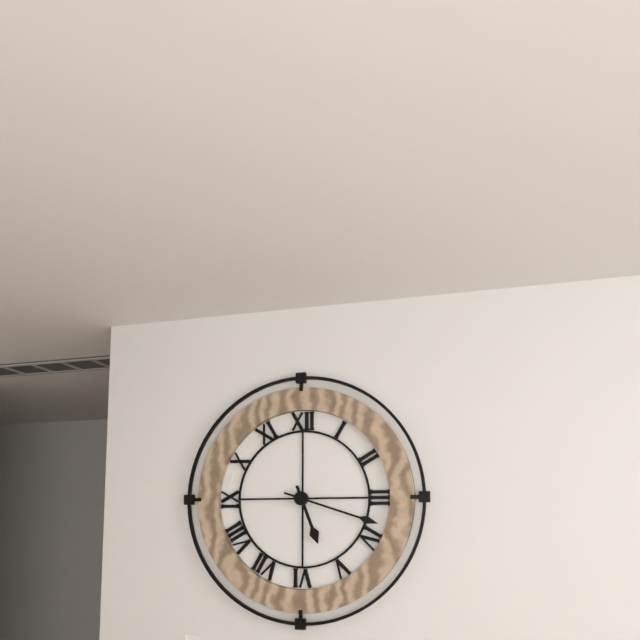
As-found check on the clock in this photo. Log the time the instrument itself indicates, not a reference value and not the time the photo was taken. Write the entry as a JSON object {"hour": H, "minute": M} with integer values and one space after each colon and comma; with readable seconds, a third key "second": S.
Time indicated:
{"hour": 5, "minute": 18}
